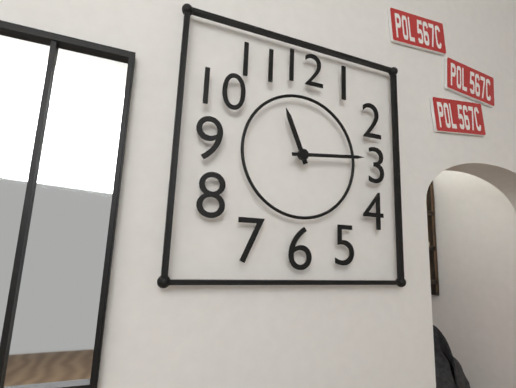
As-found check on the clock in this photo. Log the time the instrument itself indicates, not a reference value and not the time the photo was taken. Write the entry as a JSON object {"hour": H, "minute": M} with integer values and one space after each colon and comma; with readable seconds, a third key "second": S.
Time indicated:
{"hour": 11, "minute": 14}
